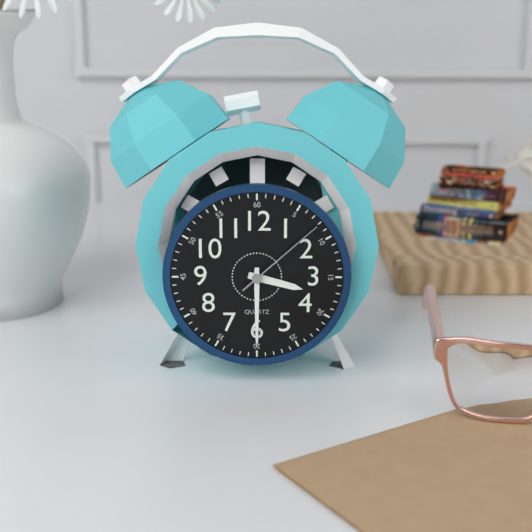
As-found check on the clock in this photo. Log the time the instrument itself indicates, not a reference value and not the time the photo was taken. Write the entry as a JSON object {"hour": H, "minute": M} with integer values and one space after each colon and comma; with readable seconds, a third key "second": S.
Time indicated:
{"hour": 3, "minute": 30, "second": 8}
